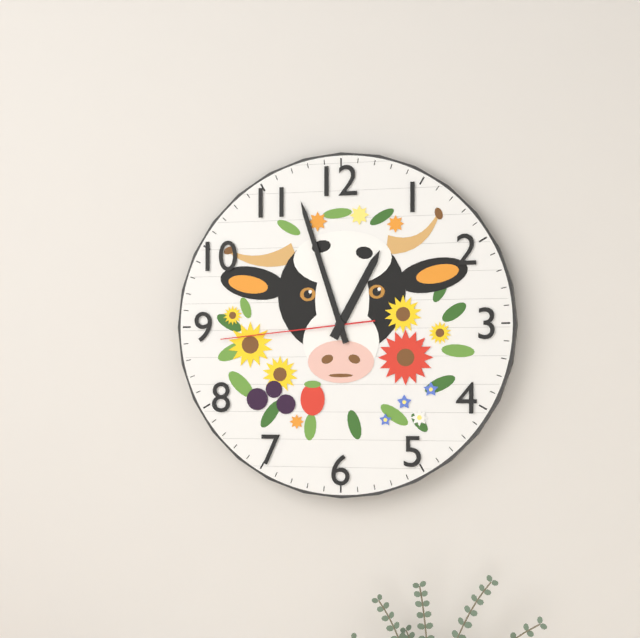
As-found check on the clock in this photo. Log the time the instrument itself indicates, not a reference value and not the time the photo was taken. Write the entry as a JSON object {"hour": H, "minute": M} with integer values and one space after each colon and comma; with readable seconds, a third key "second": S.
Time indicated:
{"hour": 12, "minute": 57, "second": 44}
